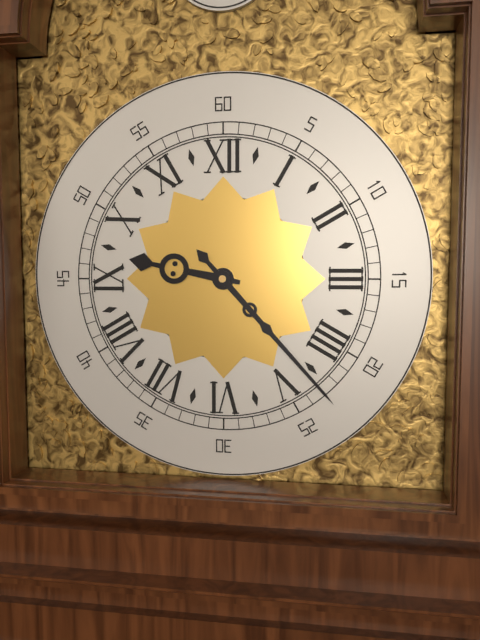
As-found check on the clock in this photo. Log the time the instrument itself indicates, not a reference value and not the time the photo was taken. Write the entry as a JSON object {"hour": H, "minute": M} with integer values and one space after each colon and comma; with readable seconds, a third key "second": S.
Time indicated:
{"hour": 9, "minute": 23}
